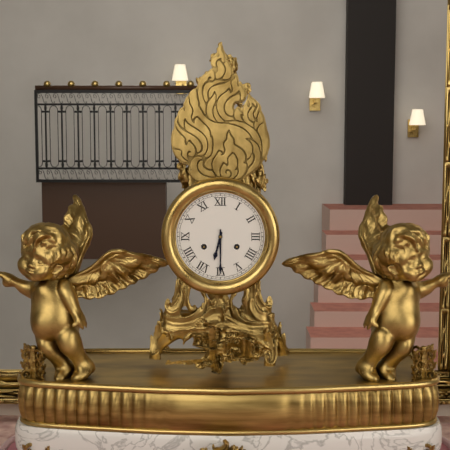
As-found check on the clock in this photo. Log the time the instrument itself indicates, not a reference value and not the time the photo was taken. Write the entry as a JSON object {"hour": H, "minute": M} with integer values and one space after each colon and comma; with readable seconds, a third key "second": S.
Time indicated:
{"hour": 6, "minute": 30}
